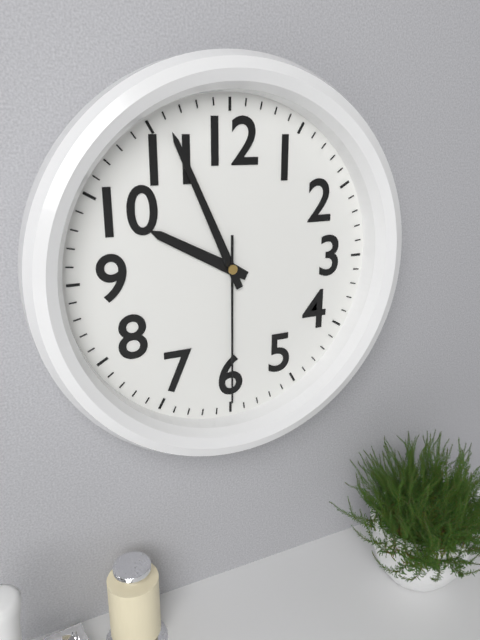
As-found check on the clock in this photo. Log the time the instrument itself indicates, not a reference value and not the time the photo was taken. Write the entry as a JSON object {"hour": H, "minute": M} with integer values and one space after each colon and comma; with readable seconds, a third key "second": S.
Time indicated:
{"hour": 9, "minute": 56, "second": 30}
